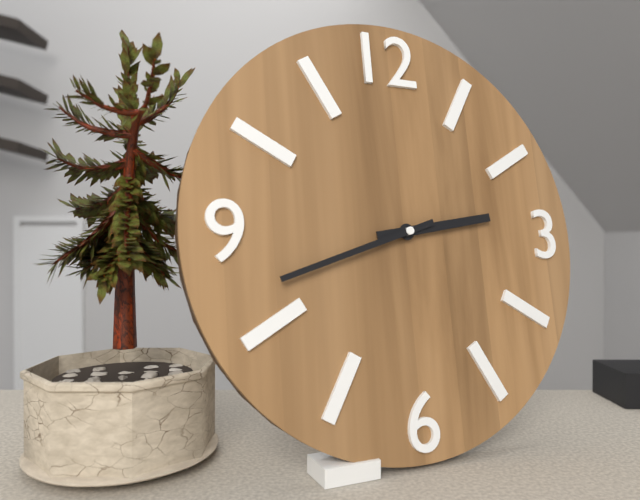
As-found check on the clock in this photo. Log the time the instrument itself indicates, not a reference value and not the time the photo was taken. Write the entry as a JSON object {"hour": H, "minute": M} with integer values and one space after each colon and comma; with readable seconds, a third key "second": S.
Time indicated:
{"hour": 2, "minute": 42}
